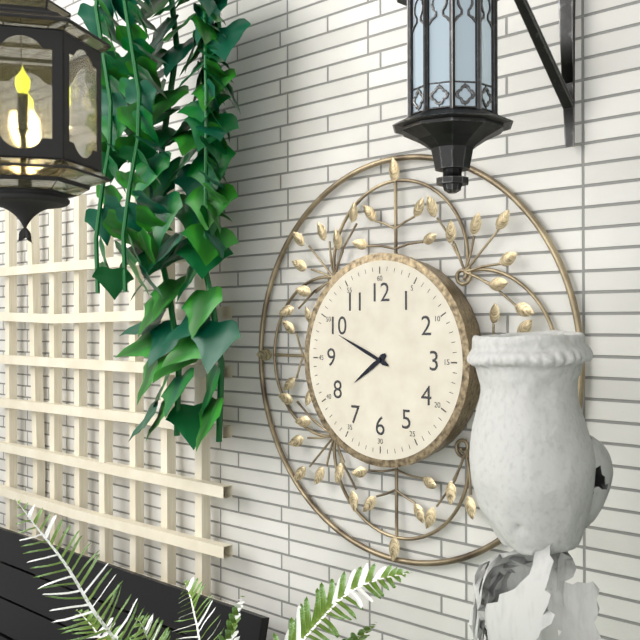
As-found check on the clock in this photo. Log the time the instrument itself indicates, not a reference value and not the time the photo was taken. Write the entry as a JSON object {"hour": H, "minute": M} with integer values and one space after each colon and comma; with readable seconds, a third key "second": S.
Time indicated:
{"hour": 7, "minute": 49}
